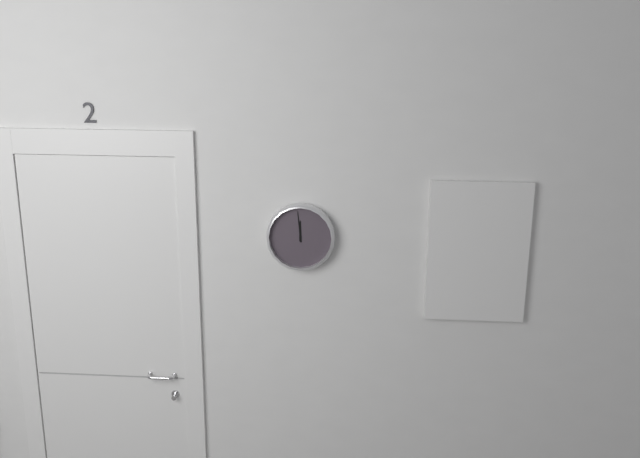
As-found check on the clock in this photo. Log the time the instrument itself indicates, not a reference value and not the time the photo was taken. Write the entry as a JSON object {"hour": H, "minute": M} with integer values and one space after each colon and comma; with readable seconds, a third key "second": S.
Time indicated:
{"hour": 11, "minute": 59}
